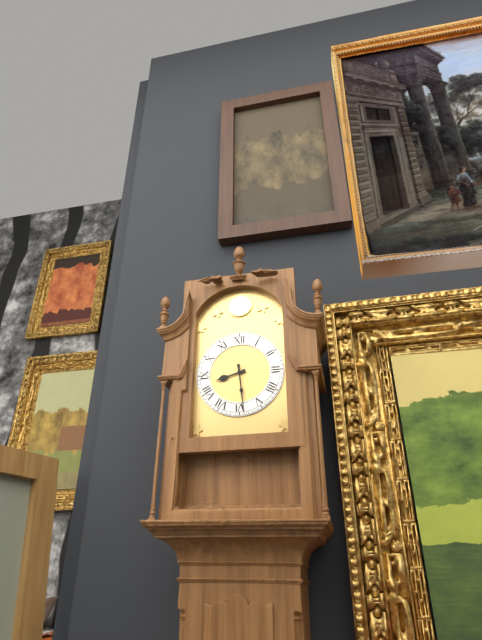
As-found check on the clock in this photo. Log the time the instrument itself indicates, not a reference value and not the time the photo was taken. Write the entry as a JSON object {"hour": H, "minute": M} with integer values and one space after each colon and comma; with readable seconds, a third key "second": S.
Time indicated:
{"hour": 8, "minute": 29}
